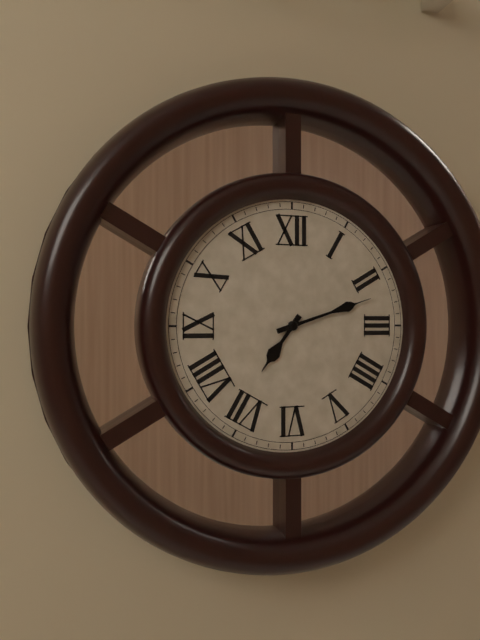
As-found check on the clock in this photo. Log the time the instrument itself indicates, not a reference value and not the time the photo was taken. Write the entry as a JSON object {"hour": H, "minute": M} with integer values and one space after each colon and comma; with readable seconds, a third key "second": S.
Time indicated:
{"hour": 7, "minute": 12}
